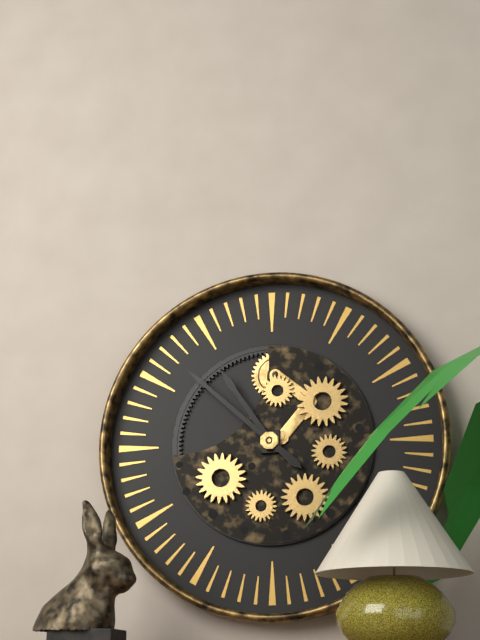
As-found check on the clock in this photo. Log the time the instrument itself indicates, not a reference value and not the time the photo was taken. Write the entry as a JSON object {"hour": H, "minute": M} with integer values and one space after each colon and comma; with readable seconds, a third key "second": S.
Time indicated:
{"hour": 10, "minute": 52}
